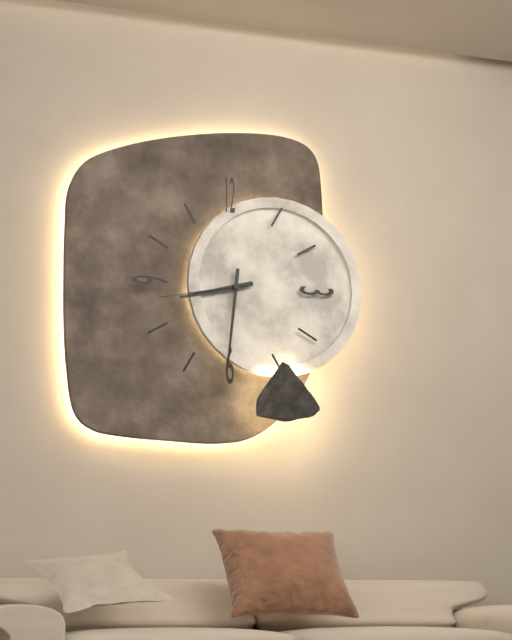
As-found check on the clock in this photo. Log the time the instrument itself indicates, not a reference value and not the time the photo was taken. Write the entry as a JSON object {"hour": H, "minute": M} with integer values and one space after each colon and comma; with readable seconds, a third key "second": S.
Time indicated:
{"hour": 8, "minute": 31, "second": 43}
